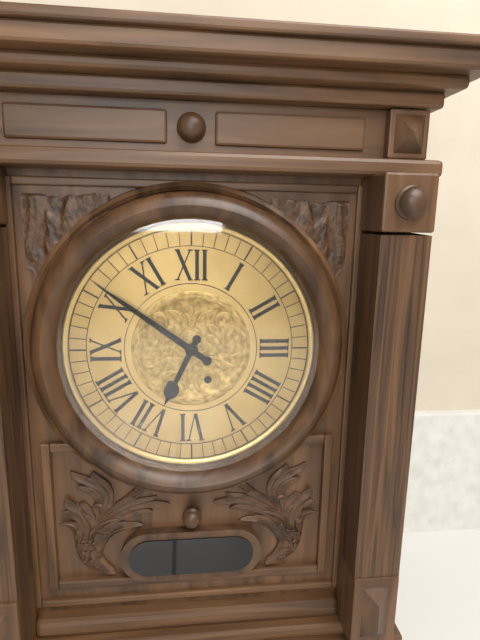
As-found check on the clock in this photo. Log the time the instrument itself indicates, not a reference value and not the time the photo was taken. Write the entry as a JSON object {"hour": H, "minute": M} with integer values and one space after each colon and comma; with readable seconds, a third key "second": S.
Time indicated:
{"hour": 6, "minute": 51}
